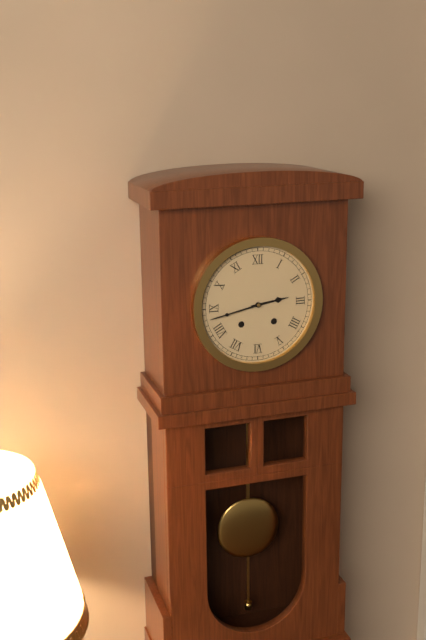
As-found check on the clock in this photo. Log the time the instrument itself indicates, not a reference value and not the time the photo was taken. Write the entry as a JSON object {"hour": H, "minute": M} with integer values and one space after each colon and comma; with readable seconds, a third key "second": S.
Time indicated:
{"hour": 2, "minute": 43}
